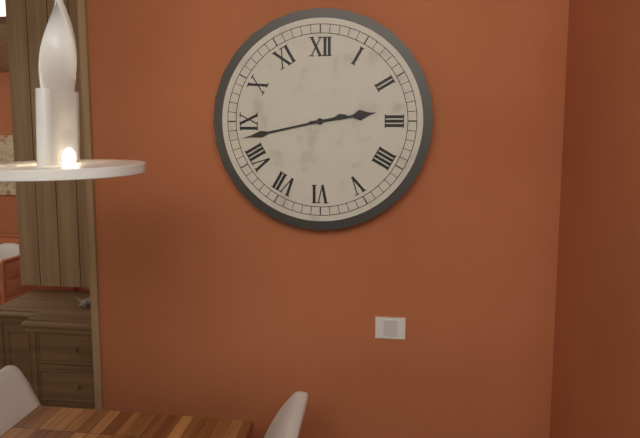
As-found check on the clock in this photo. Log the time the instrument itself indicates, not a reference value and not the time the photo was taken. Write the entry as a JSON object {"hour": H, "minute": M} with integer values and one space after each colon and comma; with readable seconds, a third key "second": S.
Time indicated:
{"hour": 2, "minute": 43}
